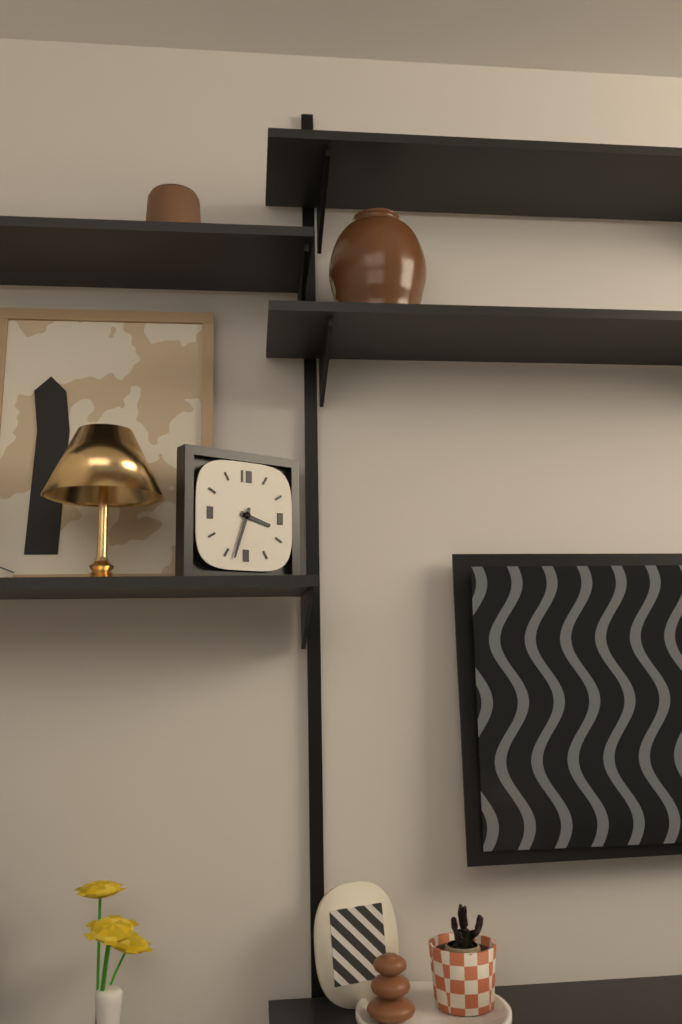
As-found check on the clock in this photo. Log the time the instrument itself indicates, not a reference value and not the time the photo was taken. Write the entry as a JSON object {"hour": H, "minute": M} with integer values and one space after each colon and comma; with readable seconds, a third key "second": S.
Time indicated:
{"hour": 3, "minute": 33}
